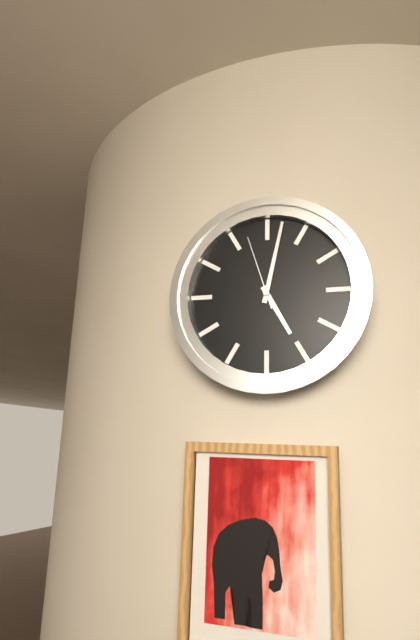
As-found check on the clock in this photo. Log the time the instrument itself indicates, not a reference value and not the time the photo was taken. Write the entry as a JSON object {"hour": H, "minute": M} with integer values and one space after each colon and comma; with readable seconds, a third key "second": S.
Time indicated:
{"hour": 5, "minute": 2, "second": 57}
